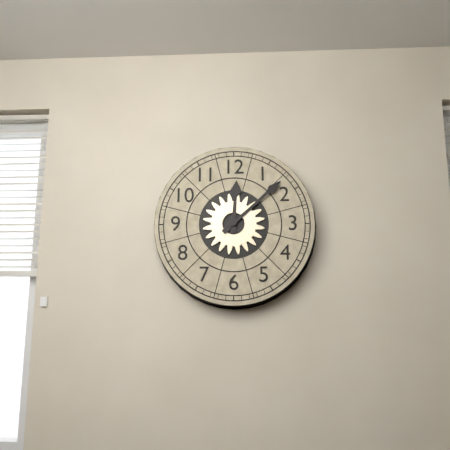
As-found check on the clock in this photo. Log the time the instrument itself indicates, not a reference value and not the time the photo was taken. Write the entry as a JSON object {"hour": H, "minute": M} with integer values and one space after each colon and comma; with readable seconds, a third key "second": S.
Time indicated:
{"hour": 12, "minute": 8}
